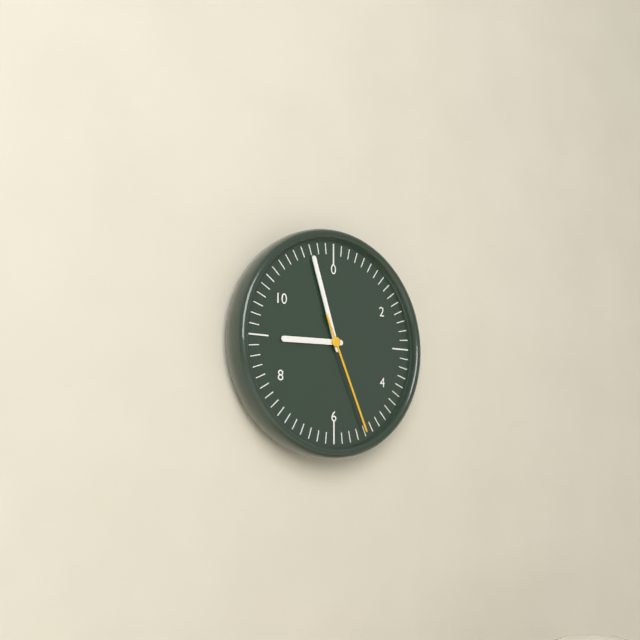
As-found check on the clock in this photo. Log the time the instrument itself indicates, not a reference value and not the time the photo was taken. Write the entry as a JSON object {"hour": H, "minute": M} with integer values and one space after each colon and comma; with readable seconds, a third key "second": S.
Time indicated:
{"hour": 8, "minute": 57, "second": 26}
